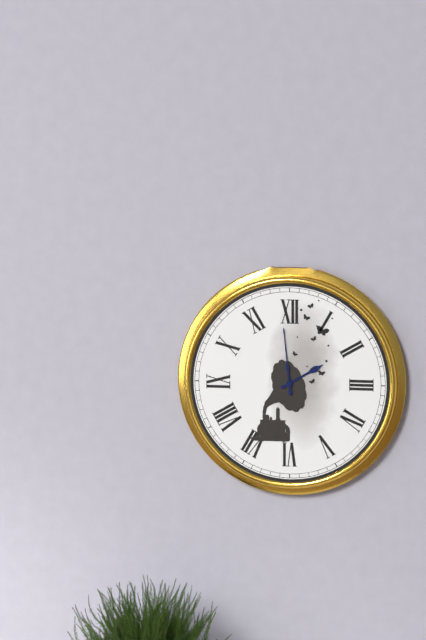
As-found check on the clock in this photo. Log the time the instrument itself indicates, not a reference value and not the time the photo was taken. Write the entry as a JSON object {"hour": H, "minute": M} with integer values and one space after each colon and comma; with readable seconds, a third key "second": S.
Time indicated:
{"hour": 1, "minute": 59}
